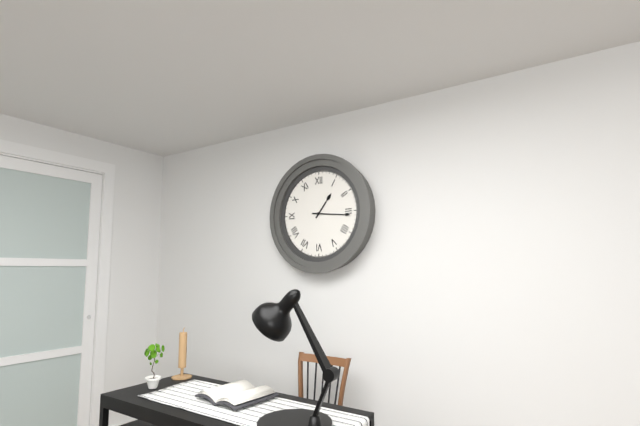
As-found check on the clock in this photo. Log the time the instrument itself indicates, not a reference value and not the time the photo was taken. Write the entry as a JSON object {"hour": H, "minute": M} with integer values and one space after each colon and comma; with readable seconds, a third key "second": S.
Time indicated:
{"hour": 1, "minute": 16}
